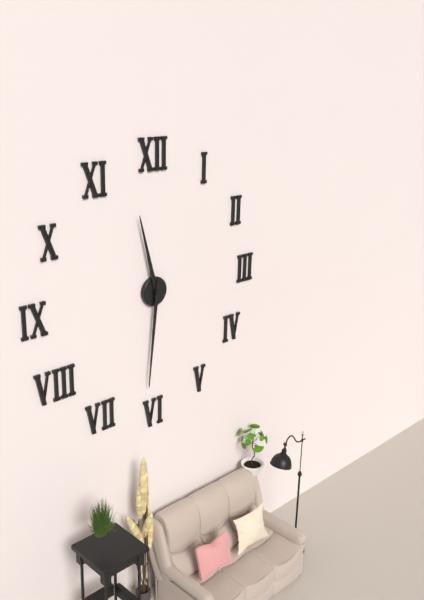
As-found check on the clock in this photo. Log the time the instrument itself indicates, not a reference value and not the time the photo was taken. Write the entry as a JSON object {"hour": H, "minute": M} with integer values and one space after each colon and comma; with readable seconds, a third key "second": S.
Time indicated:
{"hour": 11, "minute": 31}
